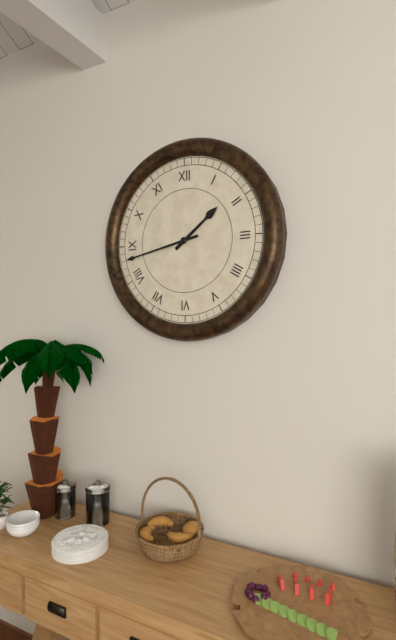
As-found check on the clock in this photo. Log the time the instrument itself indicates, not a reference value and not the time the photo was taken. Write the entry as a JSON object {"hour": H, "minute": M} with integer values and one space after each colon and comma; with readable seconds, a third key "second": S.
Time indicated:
{"hour": 1, "minute": 43}
